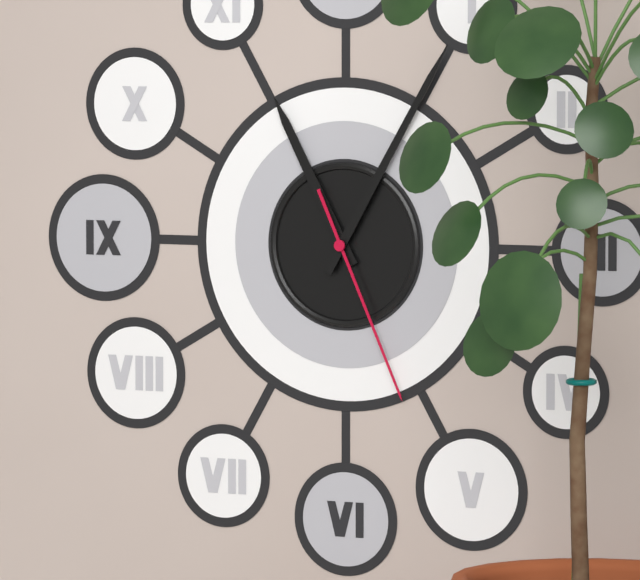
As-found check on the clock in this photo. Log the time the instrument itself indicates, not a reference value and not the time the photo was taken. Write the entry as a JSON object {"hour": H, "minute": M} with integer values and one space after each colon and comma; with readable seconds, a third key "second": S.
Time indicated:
{"hour": 11, "minute": 5, "second": 26}
